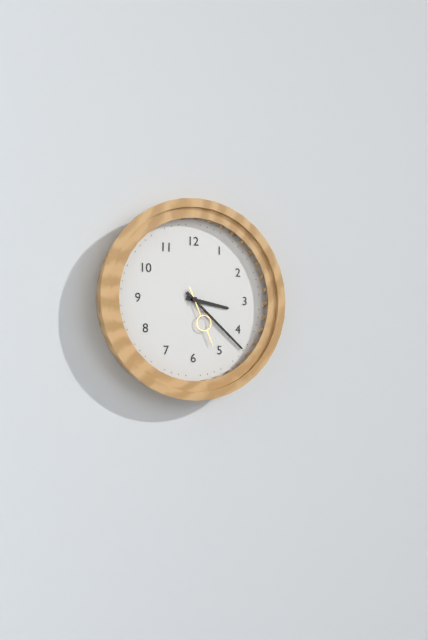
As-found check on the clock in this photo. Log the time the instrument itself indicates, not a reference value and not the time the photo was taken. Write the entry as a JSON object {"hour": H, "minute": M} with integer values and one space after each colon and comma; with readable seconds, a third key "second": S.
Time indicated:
{"hour": 3, "minute": 22, "second": 26}
